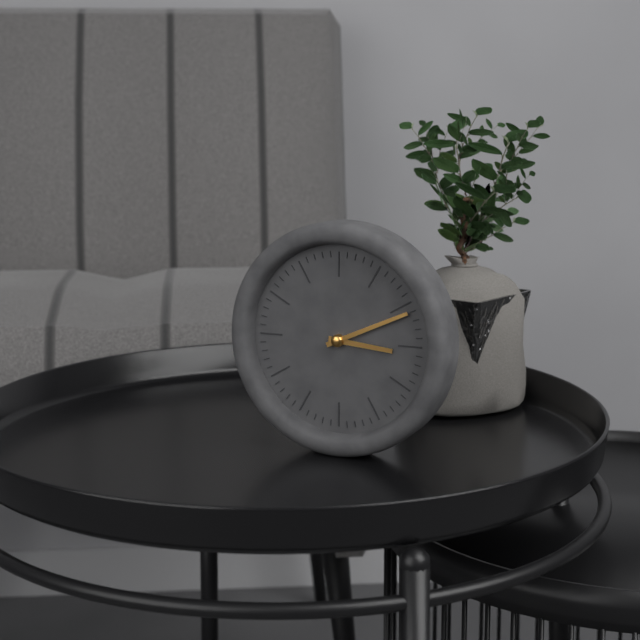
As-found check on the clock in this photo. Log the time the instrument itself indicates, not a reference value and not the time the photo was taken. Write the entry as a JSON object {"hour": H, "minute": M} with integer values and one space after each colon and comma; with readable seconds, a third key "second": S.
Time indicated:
{"hour": 3, "minute": 11}
